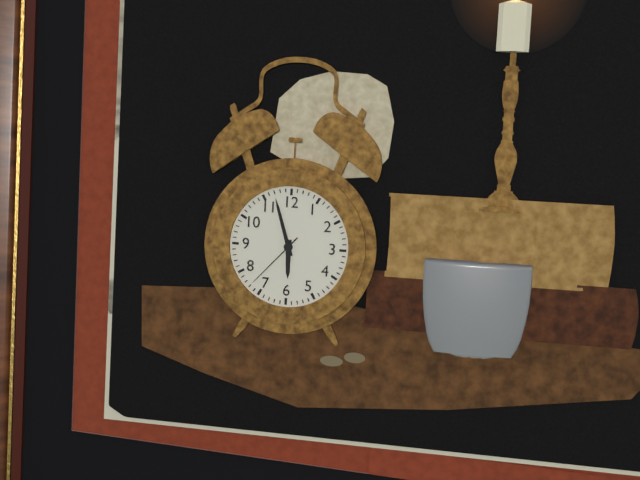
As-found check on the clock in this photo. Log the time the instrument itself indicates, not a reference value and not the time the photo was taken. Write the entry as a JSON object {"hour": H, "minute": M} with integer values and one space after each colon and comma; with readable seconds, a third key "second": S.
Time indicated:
{"hour": 5, "minute": 57, "second": 37}
